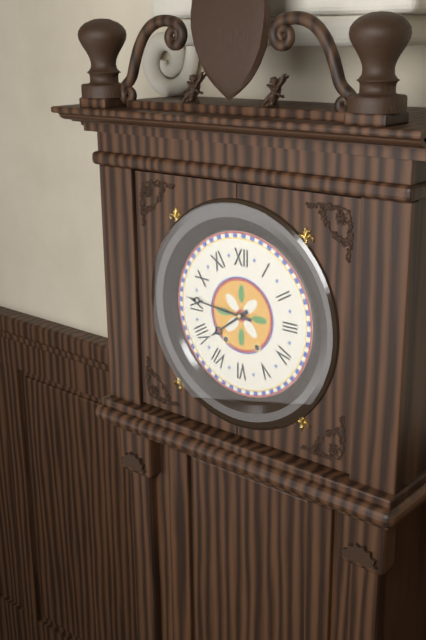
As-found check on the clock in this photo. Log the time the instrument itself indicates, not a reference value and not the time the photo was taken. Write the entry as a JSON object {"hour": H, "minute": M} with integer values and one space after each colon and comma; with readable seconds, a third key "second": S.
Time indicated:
{"hour": 7, "minute": 46}
